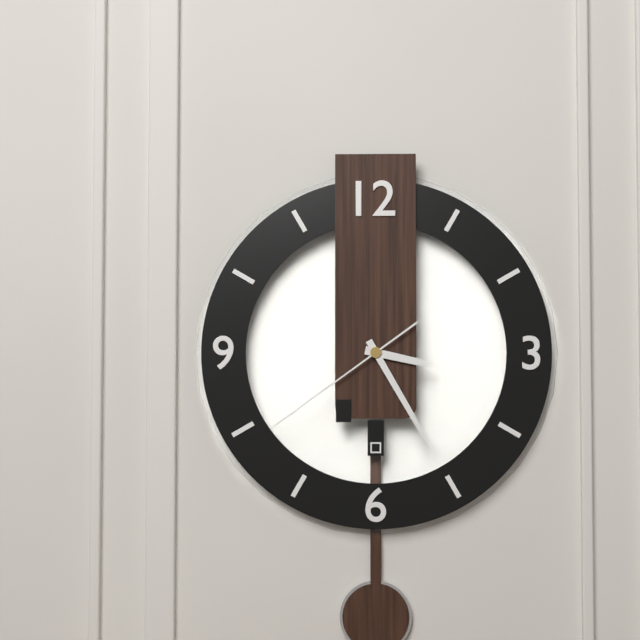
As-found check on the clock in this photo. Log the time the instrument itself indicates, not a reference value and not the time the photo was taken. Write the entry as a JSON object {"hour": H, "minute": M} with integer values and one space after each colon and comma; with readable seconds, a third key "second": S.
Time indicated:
{"hour": 3, "minute": 25, "second": 39}
